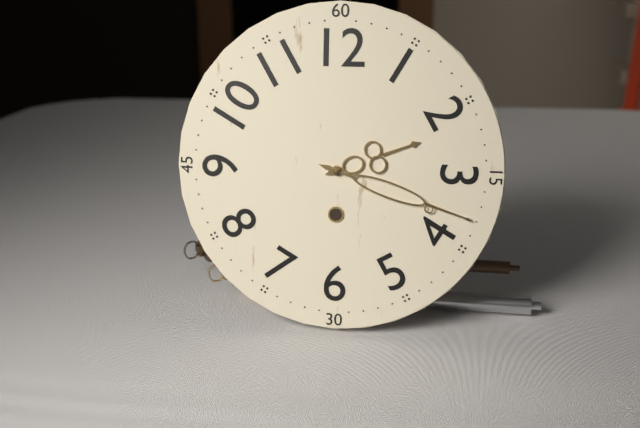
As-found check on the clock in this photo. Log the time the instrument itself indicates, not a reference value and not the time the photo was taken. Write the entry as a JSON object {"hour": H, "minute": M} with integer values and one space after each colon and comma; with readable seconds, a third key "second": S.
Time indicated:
{"hour": 2, "minute": 18}
